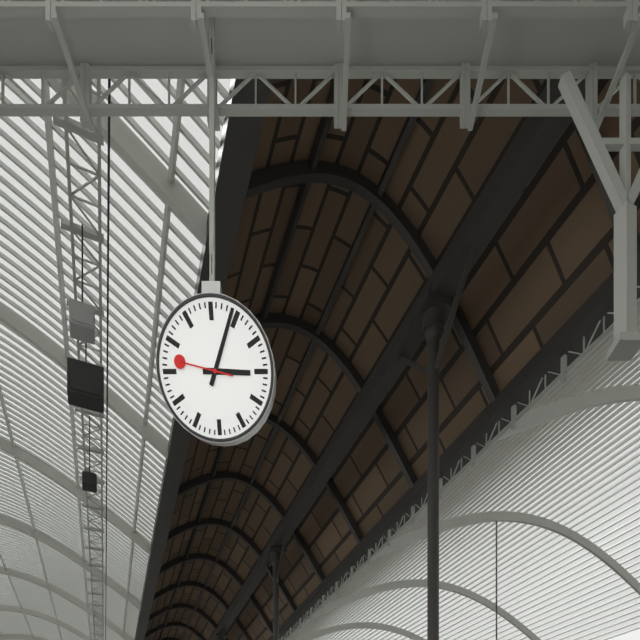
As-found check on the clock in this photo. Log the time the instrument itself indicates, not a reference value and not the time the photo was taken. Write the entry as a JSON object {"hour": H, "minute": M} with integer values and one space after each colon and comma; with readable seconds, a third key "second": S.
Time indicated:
{"hour": 3, "minute": 4, "second": 47}
